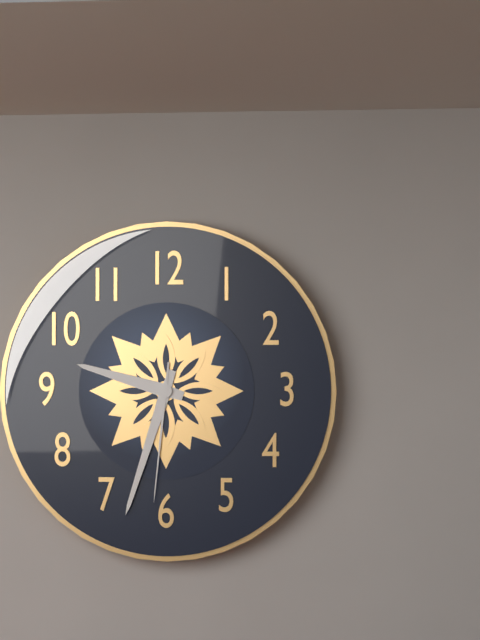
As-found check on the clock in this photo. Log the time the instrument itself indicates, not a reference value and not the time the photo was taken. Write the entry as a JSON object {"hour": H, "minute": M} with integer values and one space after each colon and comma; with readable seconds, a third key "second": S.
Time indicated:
{"hour": 9, "minute": 33, "second": 31}
